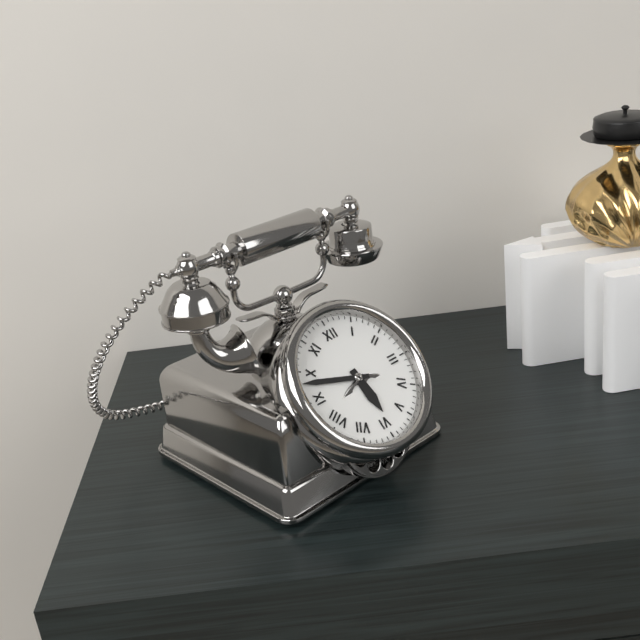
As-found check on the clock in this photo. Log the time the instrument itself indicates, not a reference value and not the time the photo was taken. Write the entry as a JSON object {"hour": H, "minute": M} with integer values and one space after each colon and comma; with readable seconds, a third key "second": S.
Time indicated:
{"hour": 5, "minute": 48}
